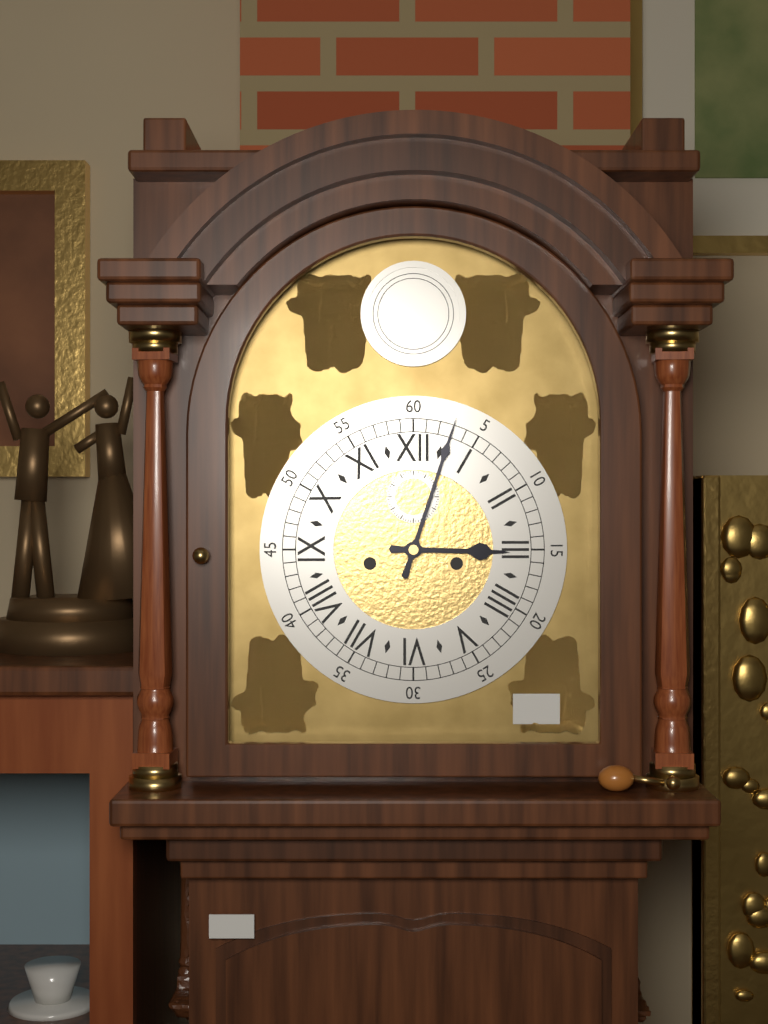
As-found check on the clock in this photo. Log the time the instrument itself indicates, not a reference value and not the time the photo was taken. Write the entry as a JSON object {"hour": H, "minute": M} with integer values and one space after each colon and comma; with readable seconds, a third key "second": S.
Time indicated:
{"hour": 3, "minute": 3}
